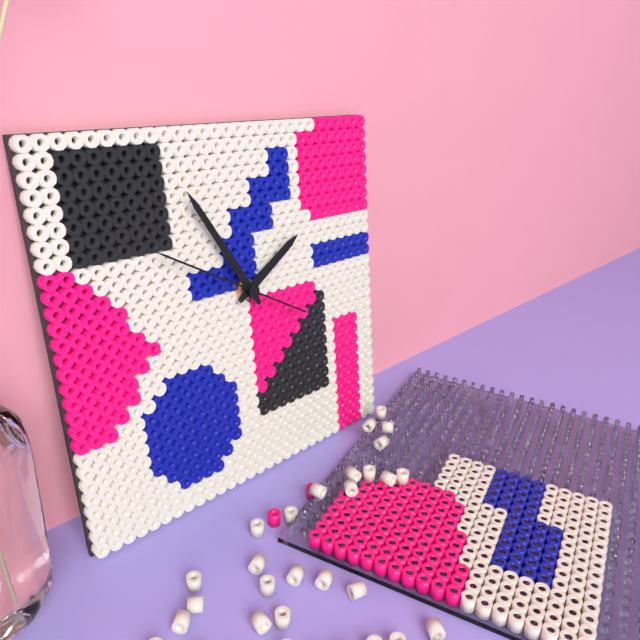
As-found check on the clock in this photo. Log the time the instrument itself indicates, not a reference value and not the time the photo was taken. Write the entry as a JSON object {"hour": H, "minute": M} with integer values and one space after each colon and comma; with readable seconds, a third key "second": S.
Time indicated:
{"hour": 1, "minute": 55, "second": 50}
